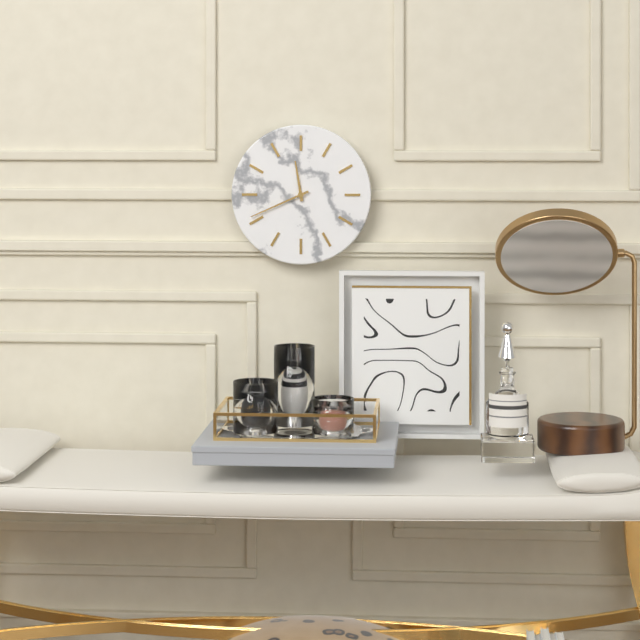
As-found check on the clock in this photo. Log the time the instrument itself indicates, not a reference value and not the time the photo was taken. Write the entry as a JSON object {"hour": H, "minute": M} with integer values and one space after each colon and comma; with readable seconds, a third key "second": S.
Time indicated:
{"hour": 11, "minute": 41}
